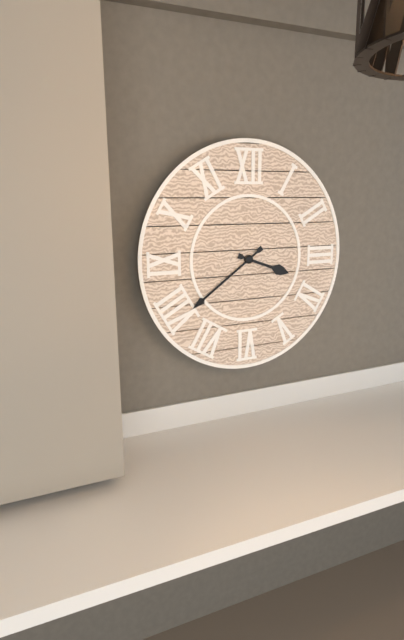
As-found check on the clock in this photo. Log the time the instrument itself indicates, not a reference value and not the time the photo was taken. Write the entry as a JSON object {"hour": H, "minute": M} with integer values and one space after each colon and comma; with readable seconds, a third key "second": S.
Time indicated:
{"hour": 3, "minute": 39}
